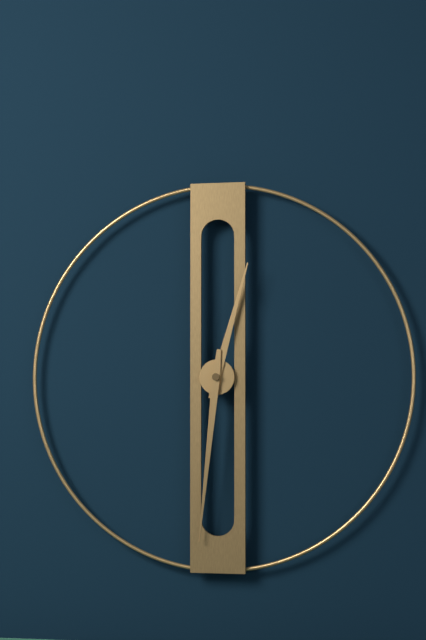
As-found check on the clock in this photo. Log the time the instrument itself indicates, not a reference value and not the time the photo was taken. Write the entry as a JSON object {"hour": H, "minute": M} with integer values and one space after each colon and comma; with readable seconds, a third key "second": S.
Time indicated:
{"hour": 12, "minute": 31}
